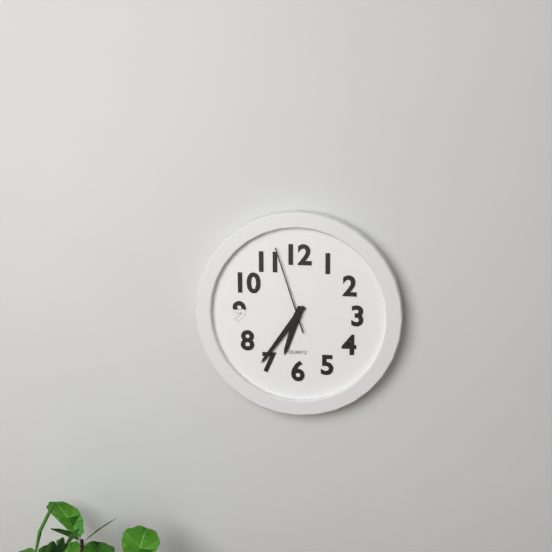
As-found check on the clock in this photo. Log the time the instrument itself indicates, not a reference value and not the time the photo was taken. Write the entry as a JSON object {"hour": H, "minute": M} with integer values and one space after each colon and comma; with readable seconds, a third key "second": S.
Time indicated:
{"hour": 6, "minute": 36, "second": 57}
